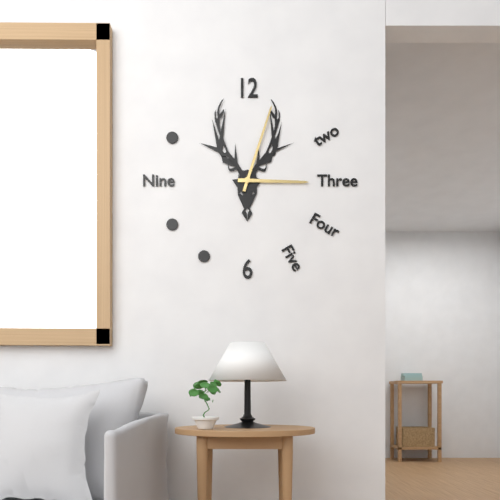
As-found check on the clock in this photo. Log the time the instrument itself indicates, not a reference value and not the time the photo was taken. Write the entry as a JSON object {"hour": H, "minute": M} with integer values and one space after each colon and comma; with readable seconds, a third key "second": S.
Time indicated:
{"hour": 3, "minute": 3}
